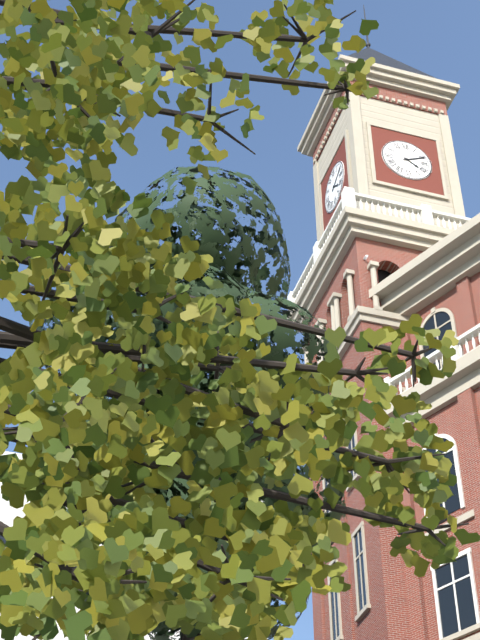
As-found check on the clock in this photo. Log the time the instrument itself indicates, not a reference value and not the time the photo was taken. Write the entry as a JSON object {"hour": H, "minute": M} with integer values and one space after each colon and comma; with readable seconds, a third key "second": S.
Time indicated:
{"hour": 4, "minute": 11}
